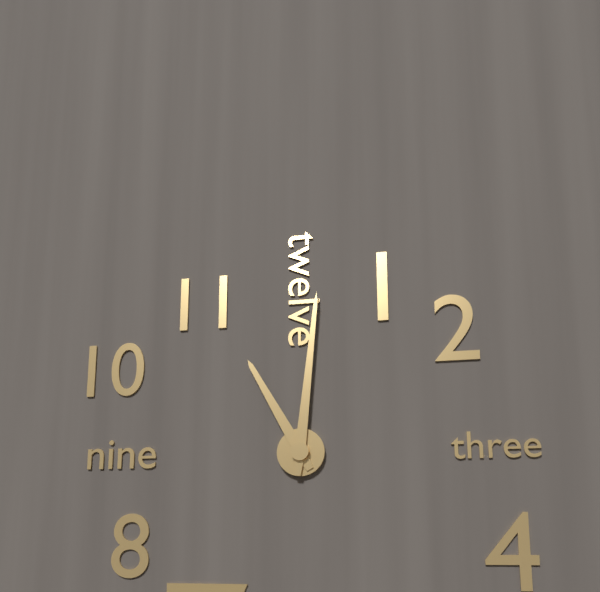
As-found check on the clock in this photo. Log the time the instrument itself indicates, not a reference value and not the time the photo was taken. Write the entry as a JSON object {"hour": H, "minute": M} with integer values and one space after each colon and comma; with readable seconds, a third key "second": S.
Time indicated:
{"hour": 11, "minute": 1}
